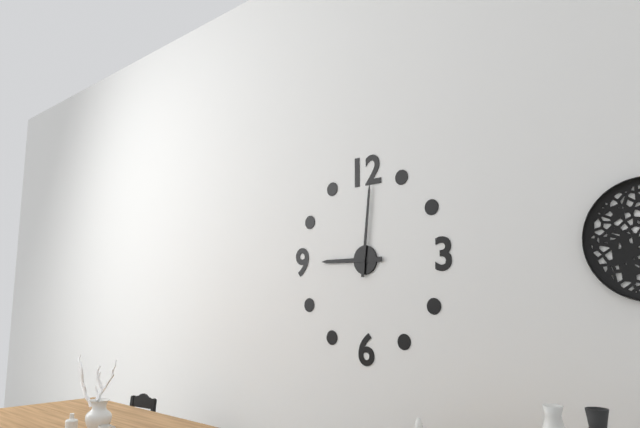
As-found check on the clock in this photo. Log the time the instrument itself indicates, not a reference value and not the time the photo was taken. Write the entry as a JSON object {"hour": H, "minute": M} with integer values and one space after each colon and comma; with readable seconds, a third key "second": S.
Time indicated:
{"hour": 9, "minute": 1}
